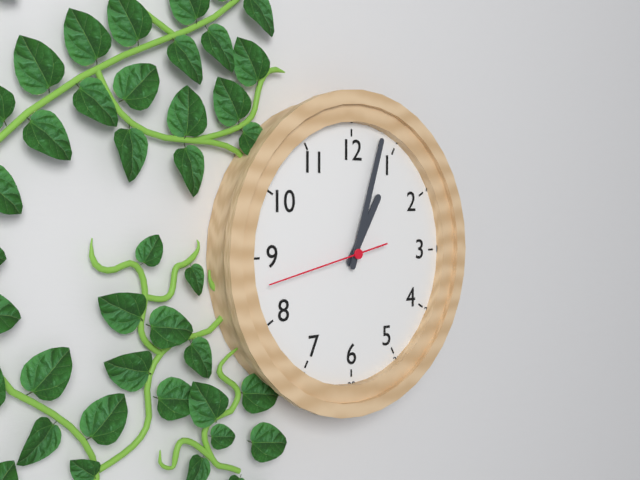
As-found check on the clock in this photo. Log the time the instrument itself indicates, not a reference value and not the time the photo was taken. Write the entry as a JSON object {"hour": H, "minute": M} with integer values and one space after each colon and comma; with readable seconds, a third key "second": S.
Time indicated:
{"hour": 1, "minute": 3, "second": 43}
